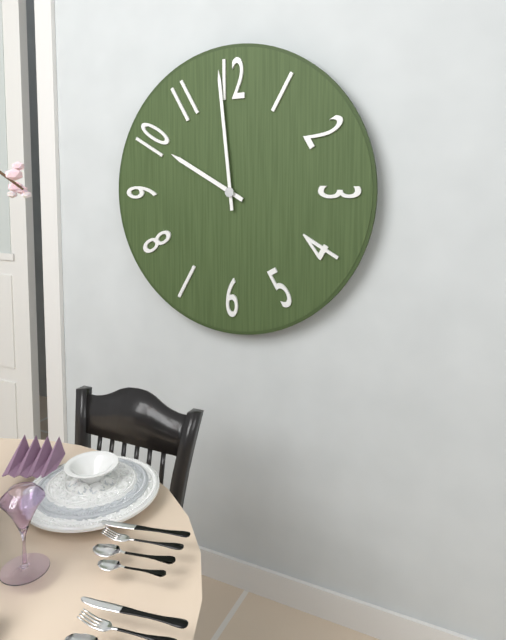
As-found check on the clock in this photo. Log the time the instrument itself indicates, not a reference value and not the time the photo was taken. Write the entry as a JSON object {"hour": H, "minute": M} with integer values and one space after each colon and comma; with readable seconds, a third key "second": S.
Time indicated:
{"hour": 9, "minute": 59}
